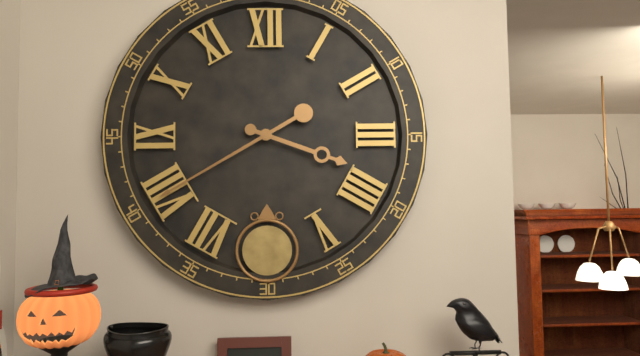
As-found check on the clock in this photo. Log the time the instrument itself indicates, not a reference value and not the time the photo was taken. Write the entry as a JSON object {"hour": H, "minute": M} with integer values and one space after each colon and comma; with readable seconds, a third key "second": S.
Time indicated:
{"hour": 3, "minute": 40}
